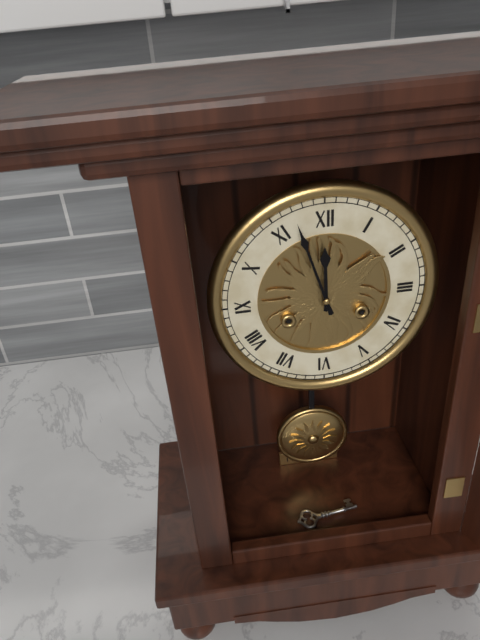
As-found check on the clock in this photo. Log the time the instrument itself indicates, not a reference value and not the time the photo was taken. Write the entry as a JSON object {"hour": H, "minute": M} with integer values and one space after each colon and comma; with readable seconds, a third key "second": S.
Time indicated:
{"hour": 11, "minute": 57}
